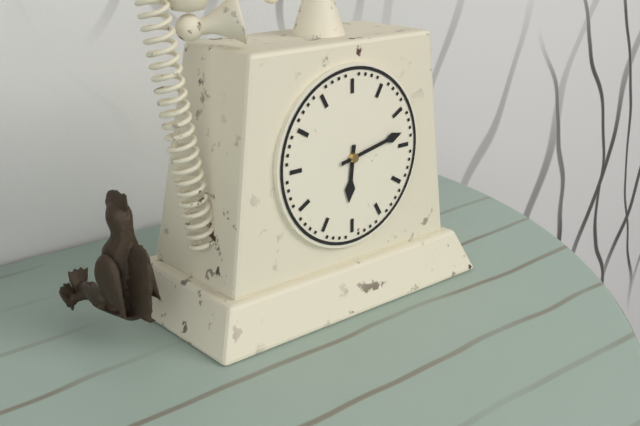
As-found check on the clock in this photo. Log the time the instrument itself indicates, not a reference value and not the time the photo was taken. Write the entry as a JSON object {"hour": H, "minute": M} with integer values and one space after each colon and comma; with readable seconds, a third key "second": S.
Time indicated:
{"hour": 6, "minute": 13}
